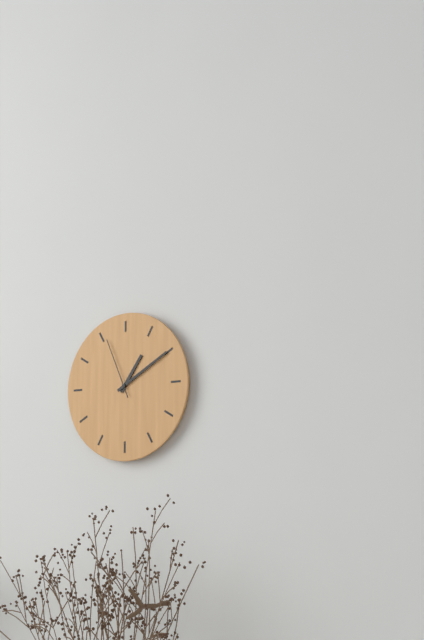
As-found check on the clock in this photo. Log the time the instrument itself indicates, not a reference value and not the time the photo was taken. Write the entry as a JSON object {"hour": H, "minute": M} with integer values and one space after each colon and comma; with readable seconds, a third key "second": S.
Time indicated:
{"hour": 1, "minute": 10, "second": 56}
